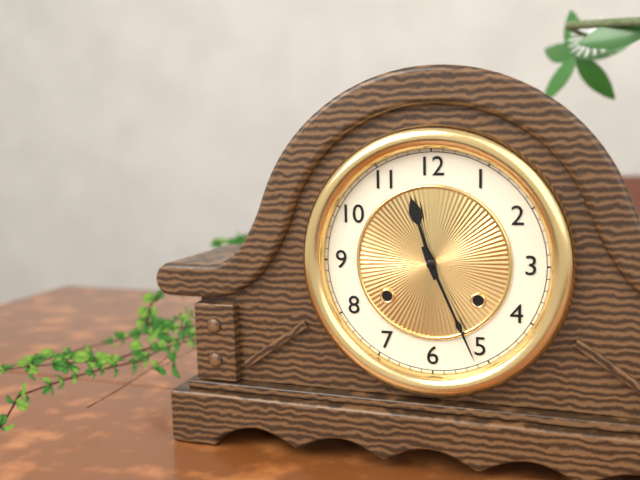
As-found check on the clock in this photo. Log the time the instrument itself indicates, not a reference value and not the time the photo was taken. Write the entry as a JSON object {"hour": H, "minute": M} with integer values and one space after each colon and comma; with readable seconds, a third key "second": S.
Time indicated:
{"hour": 11, "minute": 26}
